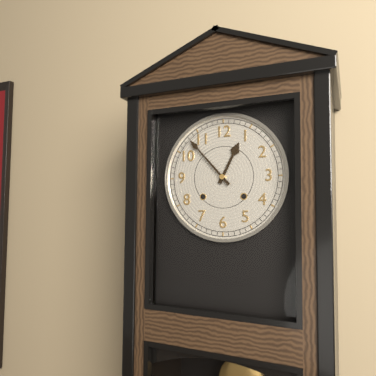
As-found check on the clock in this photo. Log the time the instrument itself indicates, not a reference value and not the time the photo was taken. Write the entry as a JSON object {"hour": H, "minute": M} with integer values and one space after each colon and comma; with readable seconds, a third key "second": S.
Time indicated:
{"hour": 12, "minute": 53}
